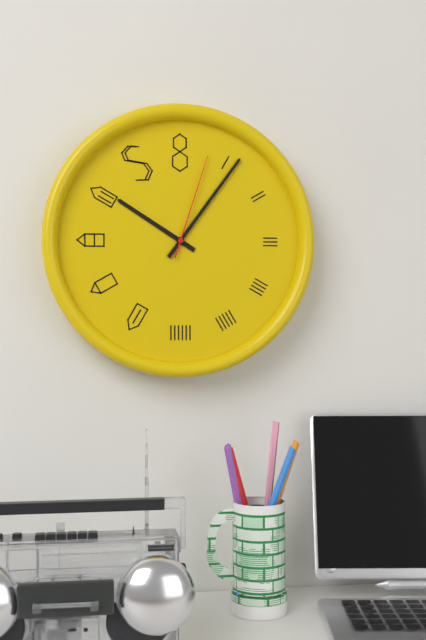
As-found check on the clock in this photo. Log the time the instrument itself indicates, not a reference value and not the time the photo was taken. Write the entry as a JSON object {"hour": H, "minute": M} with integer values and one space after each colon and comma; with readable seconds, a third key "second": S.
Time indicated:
{"hour": 10, "minute": 6, "second": 3}
